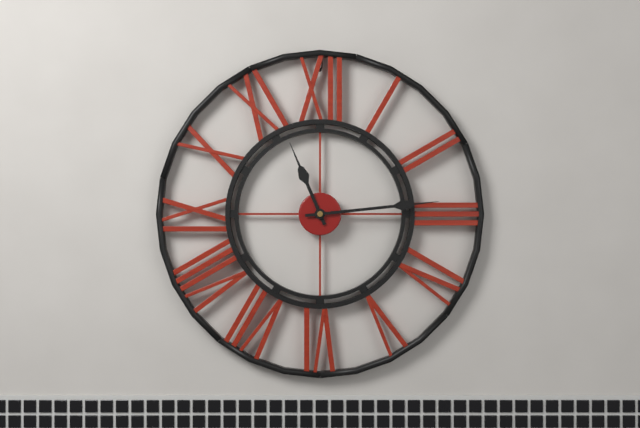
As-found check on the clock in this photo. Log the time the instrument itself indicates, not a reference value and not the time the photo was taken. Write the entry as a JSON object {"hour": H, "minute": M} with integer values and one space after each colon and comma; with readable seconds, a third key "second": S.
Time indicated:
{"hour": 11, "minute": 14}
